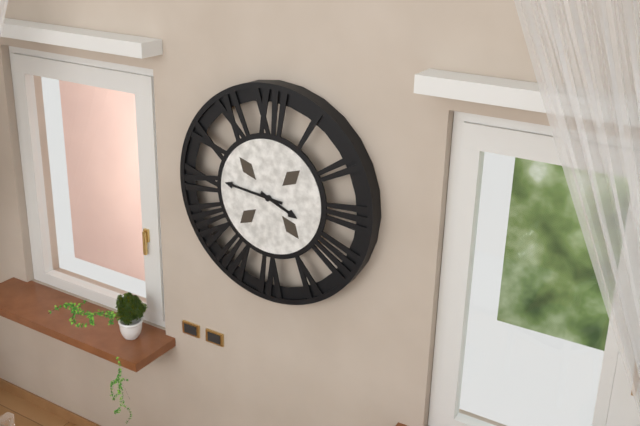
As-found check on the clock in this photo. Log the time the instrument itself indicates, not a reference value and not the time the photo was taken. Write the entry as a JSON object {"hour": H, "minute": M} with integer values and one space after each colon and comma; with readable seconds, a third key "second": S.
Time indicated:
{"hour": 3, "minute": 46}
